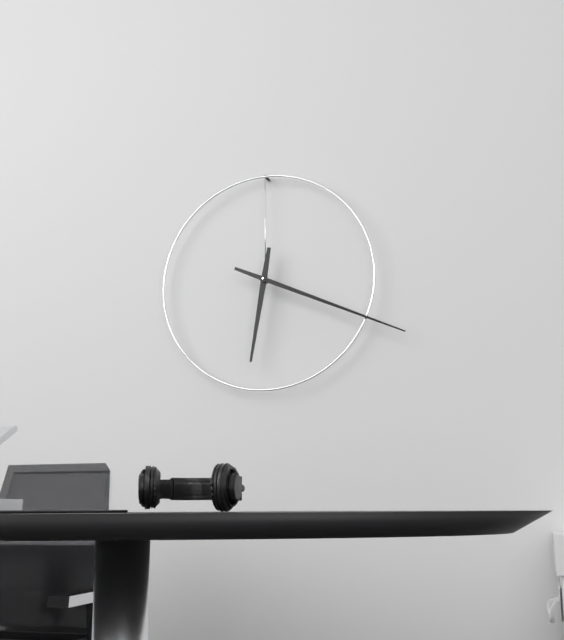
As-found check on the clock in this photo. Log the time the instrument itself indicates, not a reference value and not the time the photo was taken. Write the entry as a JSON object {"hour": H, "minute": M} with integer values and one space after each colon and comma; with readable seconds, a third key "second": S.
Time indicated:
{"hour": 6, "minute": 19}
